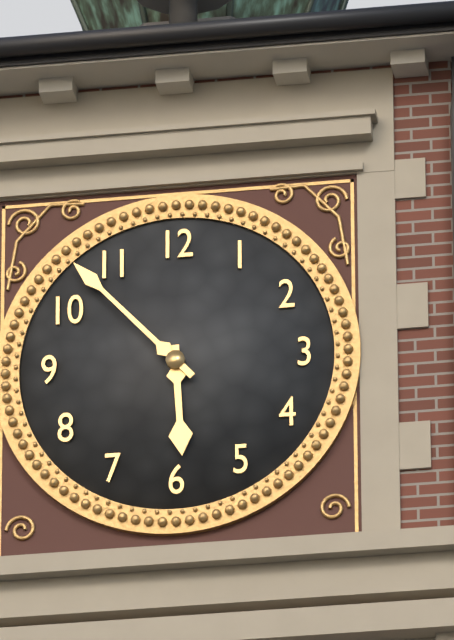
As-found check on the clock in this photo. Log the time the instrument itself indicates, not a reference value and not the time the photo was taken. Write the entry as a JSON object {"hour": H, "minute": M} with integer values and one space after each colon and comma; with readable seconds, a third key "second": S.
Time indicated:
{"hour": 5, "minute": 53}
